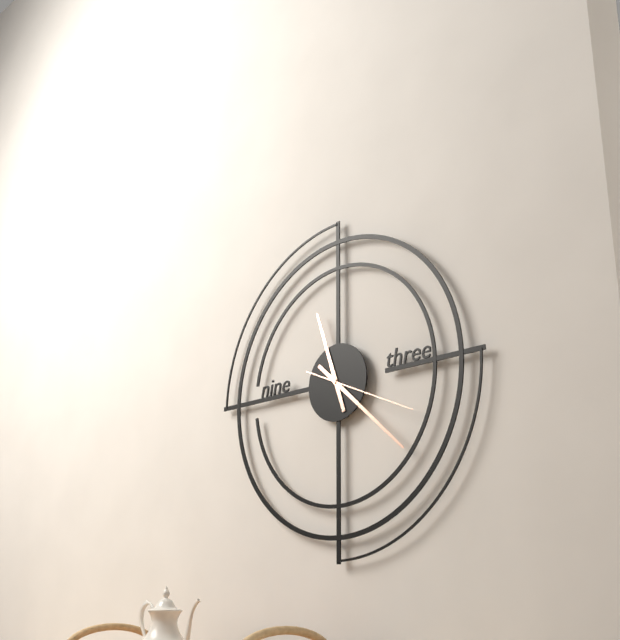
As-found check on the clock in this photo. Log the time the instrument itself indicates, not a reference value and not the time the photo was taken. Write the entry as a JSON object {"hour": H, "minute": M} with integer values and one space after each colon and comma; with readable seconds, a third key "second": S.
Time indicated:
{"hour": 11, "minute": 22, "second": 19}
